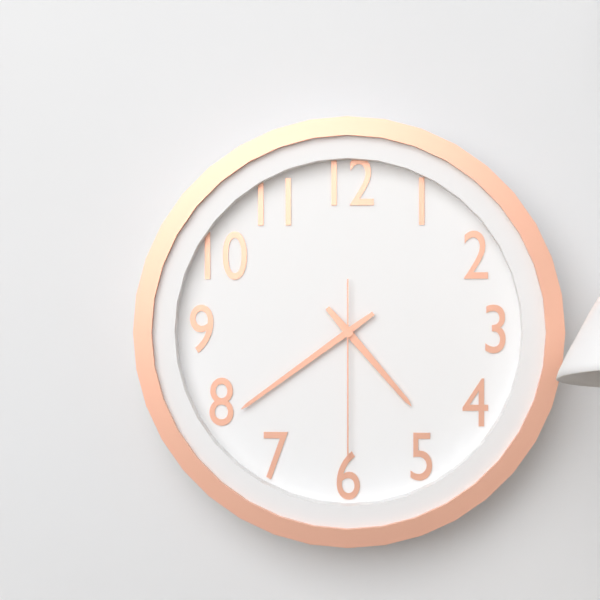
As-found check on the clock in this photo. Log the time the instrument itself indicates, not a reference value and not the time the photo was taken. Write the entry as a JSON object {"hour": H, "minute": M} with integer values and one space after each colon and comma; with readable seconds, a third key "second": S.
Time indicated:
{"hour": 4, "minute": 39, "second": 30}
